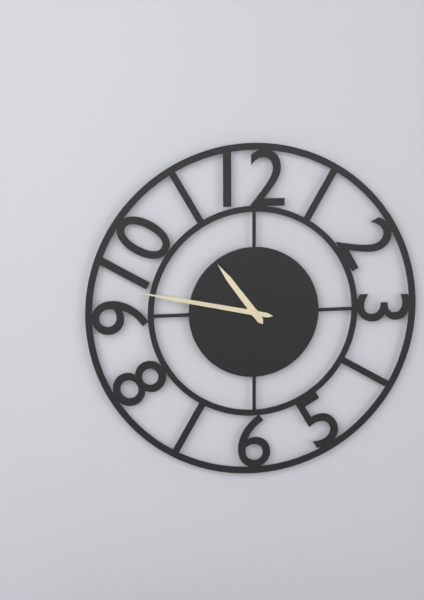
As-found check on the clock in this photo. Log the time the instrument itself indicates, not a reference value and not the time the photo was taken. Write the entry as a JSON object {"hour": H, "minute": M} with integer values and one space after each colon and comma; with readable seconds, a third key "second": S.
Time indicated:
{"hour": 10, "minute": 47}
